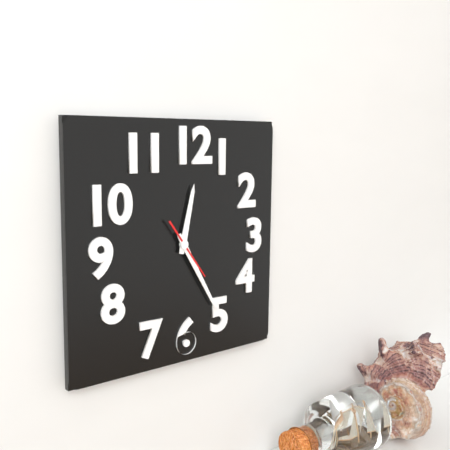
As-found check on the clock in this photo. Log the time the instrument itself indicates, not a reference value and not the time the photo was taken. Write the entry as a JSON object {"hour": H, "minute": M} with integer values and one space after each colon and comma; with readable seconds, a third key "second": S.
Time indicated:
{"hour": 12, "minute": 25, "second": 24}
